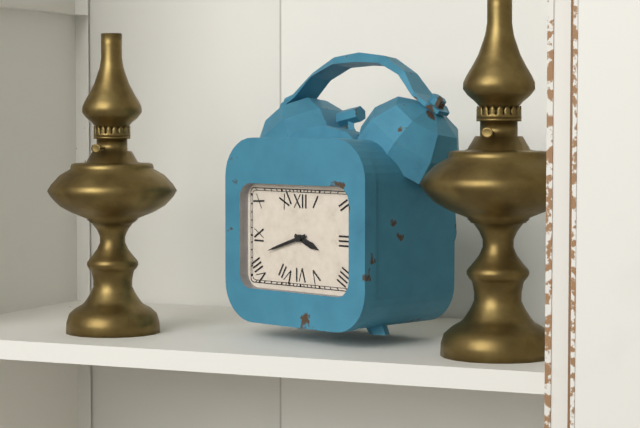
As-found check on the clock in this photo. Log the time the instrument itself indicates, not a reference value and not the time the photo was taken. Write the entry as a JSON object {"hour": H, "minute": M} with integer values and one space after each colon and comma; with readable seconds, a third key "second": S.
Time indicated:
{"hour": 3, "minute": 42}
